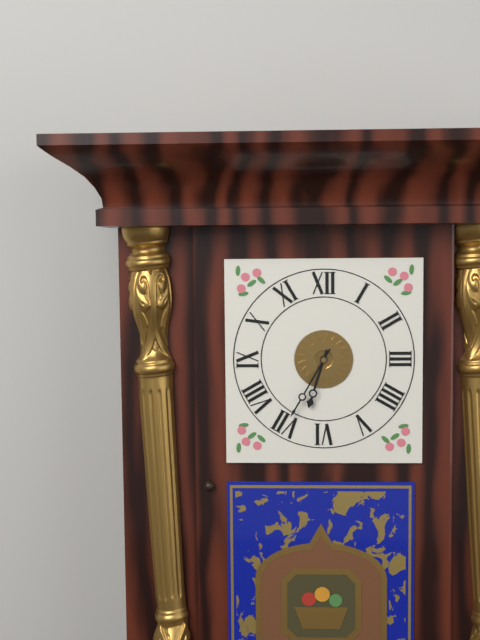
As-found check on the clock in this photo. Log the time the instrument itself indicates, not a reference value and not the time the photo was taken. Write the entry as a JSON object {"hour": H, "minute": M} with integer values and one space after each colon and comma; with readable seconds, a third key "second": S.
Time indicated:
{"hour": 6, "minute": 35}
